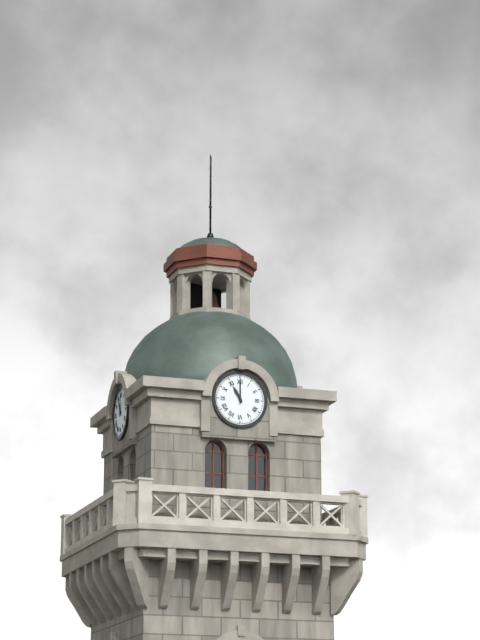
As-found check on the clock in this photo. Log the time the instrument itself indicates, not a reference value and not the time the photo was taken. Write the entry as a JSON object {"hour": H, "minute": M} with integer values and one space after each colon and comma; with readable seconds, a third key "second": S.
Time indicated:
{"hour": 11, "minute": 0}
